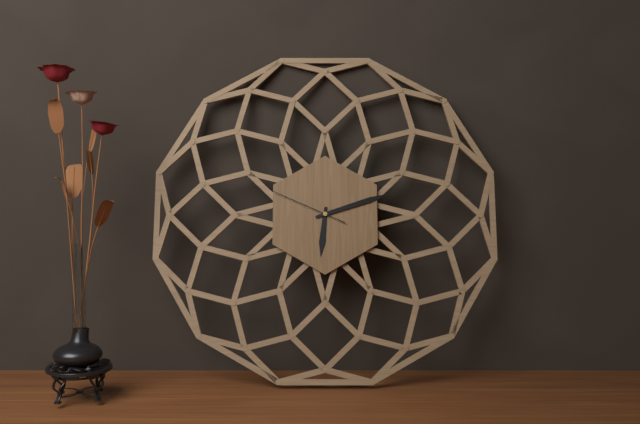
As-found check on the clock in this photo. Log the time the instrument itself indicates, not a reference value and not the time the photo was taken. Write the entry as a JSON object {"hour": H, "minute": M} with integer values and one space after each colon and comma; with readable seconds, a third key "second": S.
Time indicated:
{"hour": 6, "minute": 12, "second": 49}
